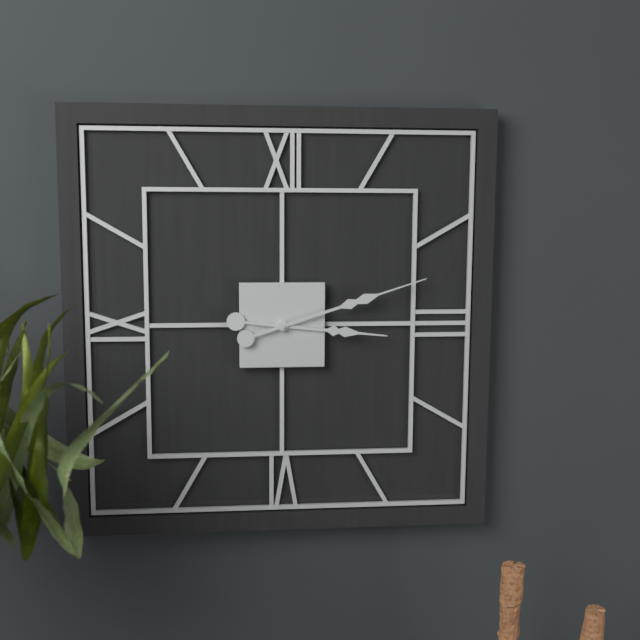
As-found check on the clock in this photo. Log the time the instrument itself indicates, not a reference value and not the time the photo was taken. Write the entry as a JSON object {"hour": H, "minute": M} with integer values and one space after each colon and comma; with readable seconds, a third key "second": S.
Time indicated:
{"hour": 3, "minute": 12}
